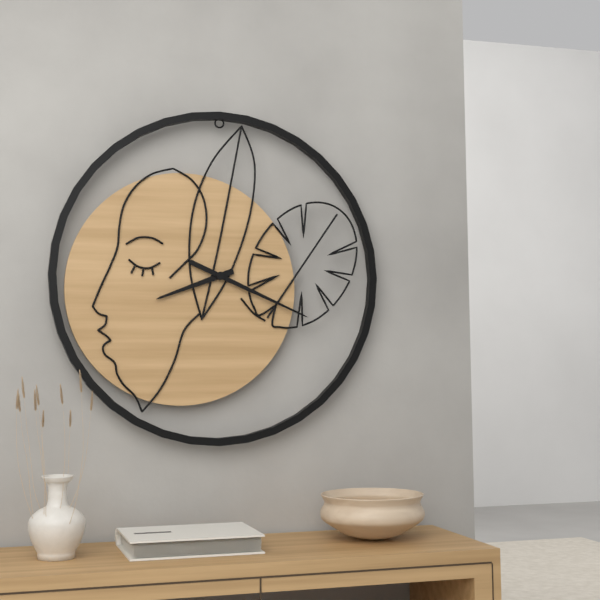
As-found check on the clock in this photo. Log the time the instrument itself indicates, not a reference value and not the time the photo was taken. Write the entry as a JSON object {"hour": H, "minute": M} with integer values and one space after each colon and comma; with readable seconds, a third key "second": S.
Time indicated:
{"hour": 8, "minute": 19}
